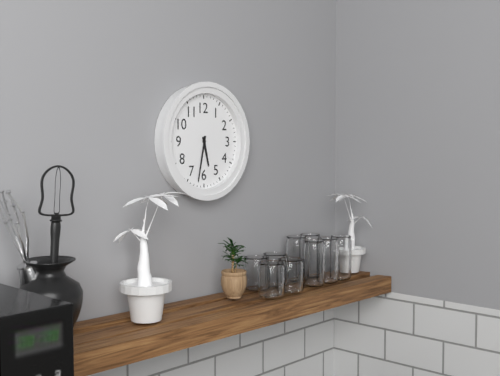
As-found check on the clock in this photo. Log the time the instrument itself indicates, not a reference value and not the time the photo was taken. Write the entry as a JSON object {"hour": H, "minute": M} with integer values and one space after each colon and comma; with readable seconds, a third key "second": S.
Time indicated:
{"hour": 5, "minute": 32}
